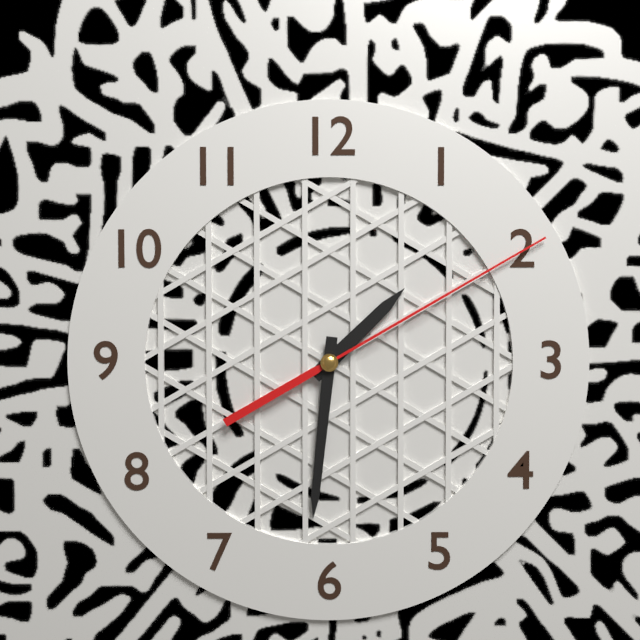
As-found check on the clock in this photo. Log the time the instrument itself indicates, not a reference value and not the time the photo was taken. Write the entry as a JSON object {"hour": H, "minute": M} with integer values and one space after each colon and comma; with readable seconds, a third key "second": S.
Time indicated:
{"hour": 1, "minute": 31, "second": 10}
